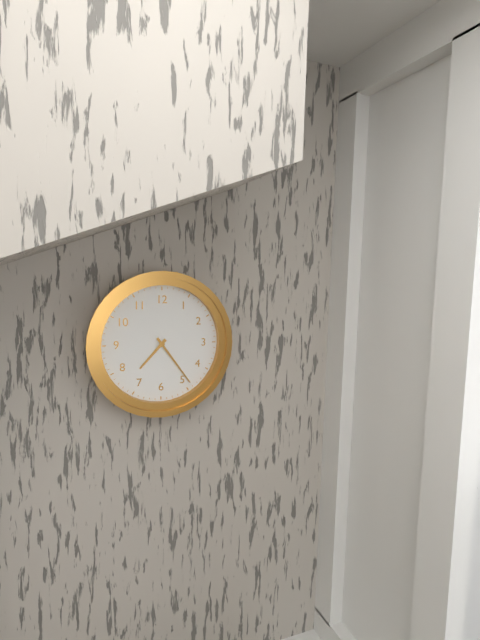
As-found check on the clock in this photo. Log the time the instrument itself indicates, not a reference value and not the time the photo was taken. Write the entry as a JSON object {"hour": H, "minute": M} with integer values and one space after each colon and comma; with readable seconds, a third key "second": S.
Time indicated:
{"hour": 7, "minute": 24}
